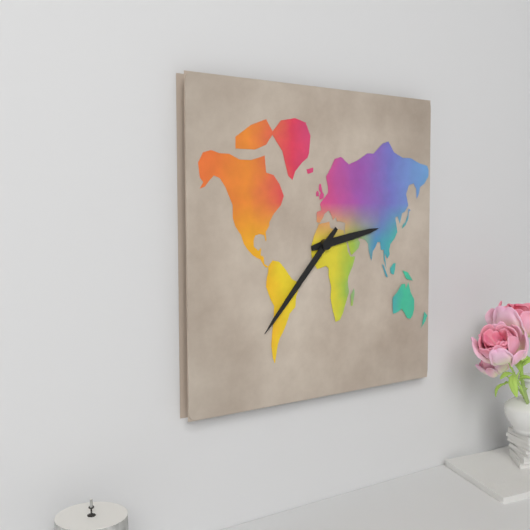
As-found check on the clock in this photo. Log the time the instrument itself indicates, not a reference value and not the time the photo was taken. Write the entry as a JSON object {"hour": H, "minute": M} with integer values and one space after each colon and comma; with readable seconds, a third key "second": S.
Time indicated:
{"hour": 2, "minute": 37}
